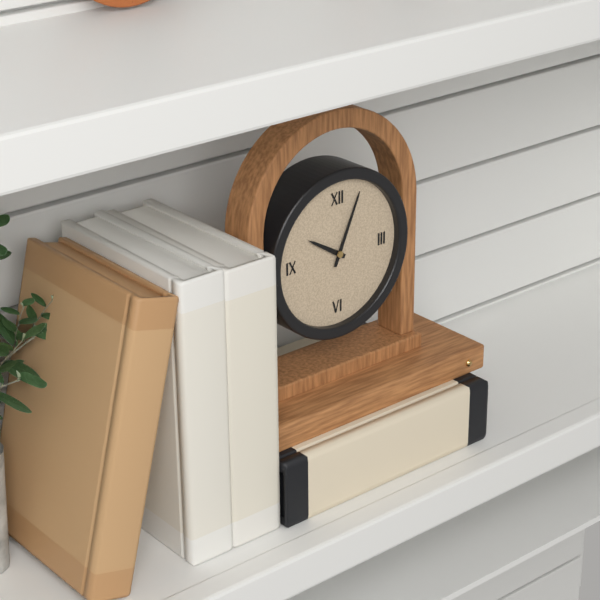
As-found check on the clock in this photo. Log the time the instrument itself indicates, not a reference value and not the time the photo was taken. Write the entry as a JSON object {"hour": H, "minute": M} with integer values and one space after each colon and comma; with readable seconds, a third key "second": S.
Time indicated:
{"hour": 10, "minute": 4}
